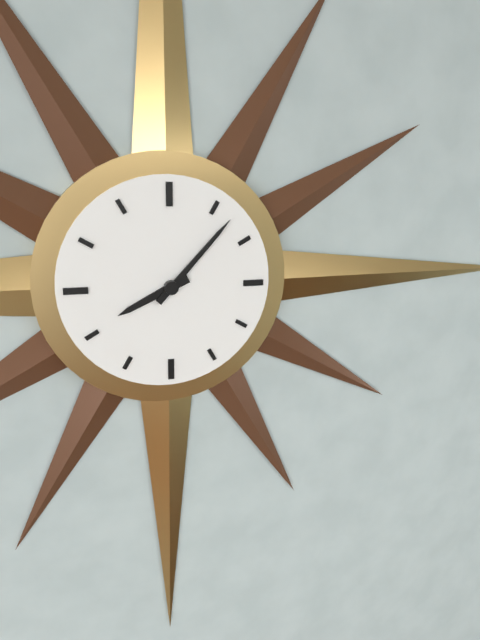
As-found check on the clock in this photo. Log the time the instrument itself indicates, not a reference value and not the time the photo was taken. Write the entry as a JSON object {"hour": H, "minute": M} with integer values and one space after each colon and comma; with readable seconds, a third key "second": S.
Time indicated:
{"hour": 8, "minute": 7}
